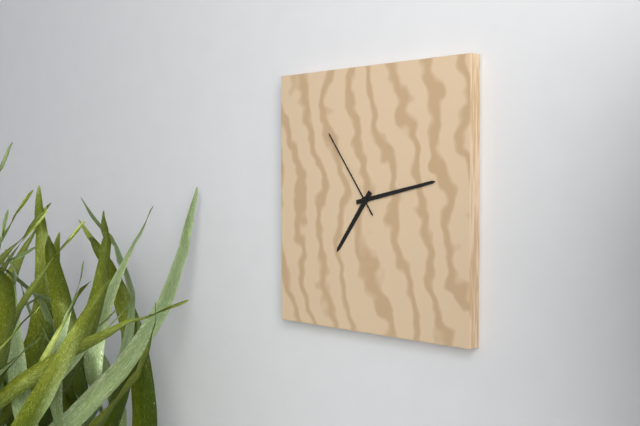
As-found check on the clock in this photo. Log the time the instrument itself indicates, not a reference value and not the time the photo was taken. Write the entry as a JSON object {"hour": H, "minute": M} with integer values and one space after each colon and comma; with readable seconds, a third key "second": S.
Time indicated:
{"hour": 7, "minute": 13, "second": 54}
